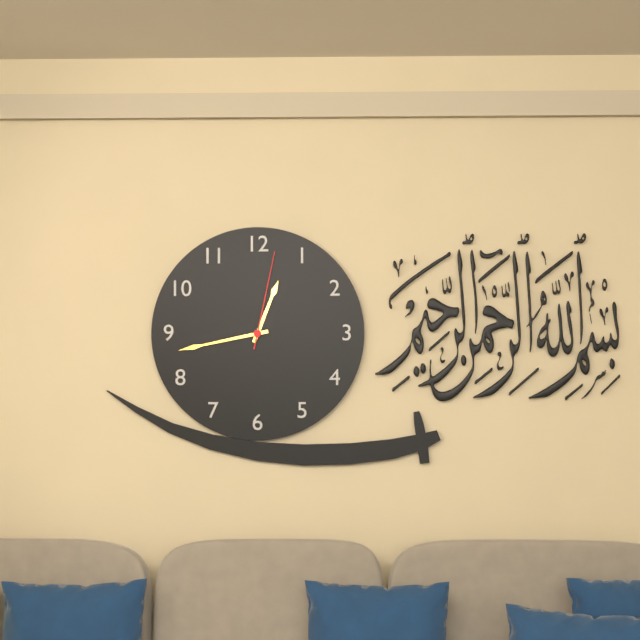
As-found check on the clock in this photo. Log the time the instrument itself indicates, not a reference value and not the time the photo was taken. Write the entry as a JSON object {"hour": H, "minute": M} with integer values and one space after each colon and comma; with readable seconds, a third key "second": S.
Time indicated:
{"hour": 12, "minute": 43, "second": 2}
